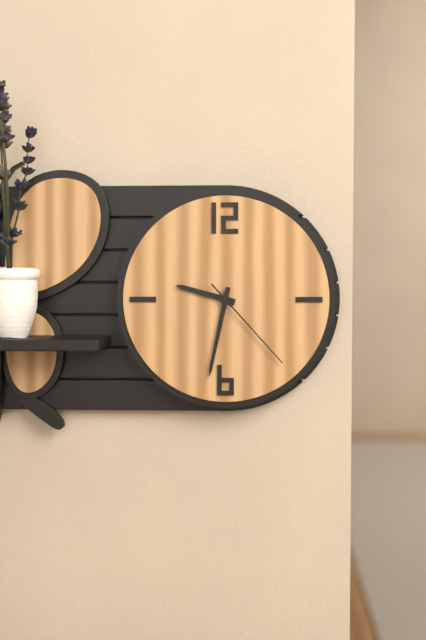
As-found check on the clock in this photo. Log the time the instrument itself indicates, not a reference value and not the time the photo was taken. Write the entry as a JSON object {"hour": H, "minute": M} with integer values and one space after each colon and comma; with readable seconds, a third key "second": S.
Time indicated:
{"hour": 9, "minute": 32, "second": 23}
